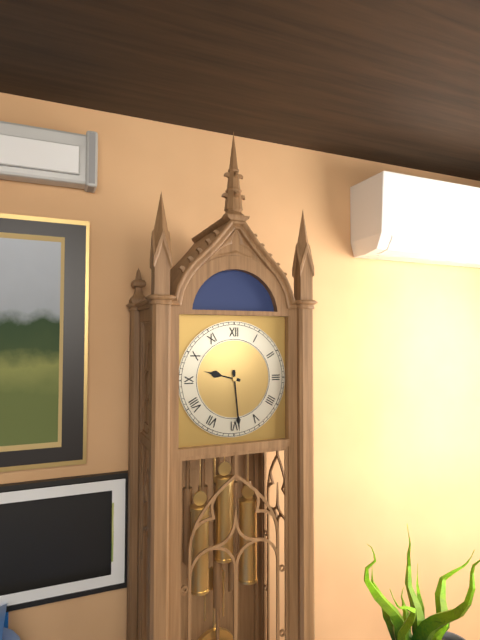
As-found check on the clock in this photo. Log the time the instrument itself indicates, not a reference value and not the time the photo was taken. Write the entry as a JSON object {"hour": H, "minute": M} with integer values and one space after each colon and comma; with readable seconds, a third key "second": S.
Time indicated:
{"hour": 9, "minute": 29}
